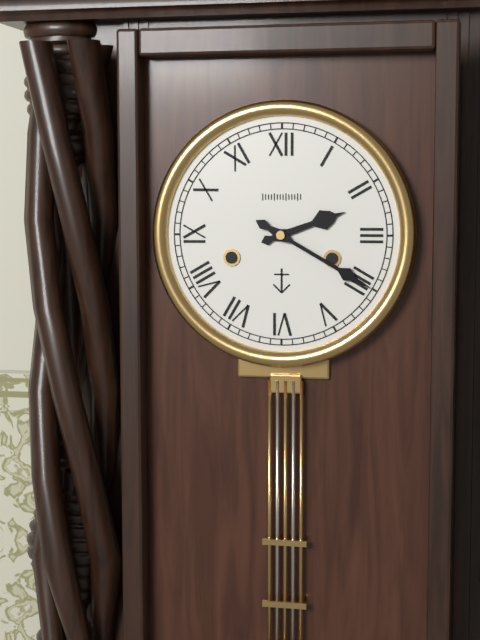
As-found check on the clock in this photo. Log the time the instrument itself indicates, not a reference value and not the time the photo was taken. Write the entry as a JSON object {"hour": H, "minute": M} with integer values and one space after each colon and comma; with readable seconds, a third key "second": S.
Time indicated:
{"hour": 2, "minute": 20}
